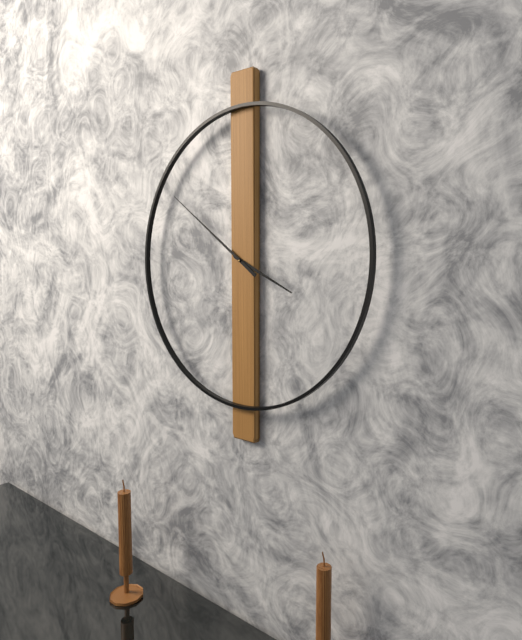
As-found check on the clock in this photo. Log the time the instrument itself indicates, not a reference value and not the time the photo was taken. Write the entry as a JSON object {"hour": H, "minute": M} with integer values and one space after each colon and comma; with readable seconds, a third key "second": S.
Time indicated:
{"hour": 3, "minute": 51}
